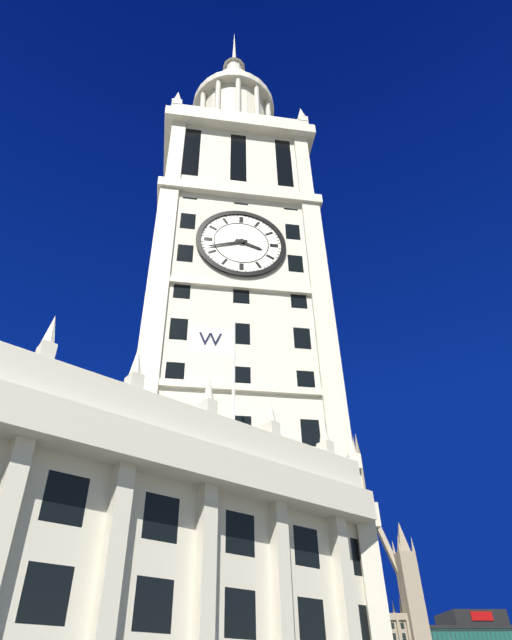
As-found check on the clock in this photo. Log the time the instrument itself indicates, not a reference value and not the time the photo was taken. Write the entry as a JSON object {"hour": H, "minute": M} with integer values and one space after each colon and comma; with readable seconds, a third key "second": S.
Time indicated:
{"hour": 3, "minute": 42}
